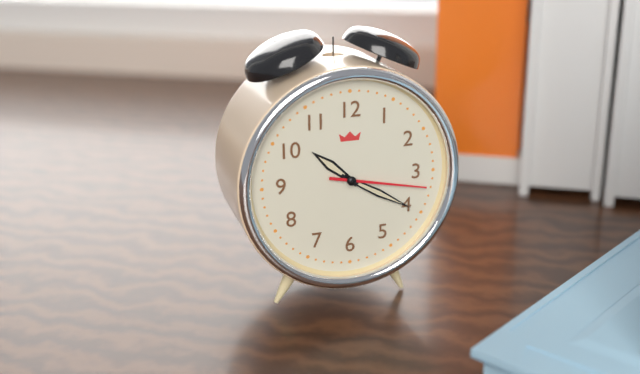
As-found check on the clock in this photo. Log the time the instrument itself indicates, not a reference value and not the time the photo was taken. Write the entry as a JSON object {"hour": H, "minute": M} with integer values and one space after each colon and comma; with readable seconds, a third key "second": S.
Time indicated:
{"hour": 10, "minute": 20, "second": 17}
